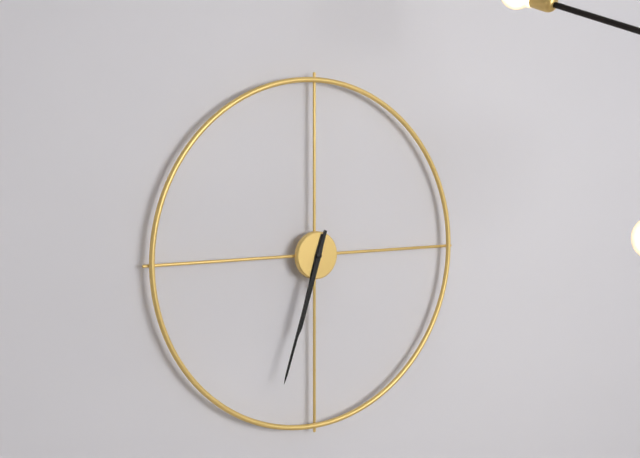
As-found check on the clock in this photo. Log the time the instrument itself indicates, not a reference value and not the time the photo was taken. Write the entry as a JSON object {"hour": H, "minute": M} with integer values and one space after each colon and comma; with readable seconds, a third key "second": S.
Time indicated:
{"hour": 6, "minute": 33}
